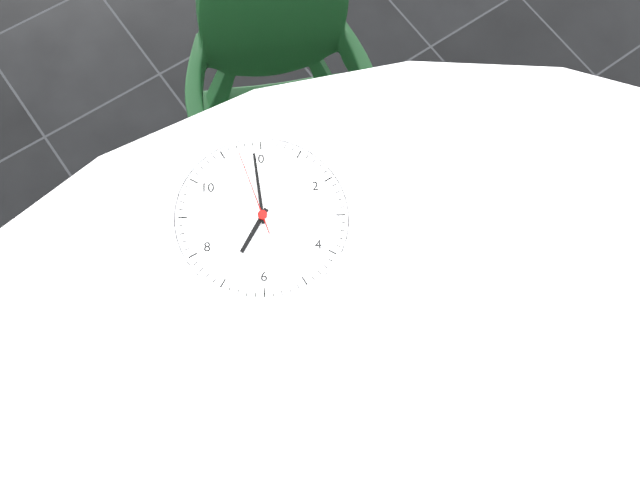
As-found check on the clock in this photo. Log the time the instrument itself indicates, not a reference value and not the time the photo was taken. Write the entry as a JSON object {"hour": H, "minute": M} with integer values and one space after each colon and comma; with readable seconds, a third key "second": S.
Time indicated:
{"hour": 6, "minute": 59, "second": 57}
